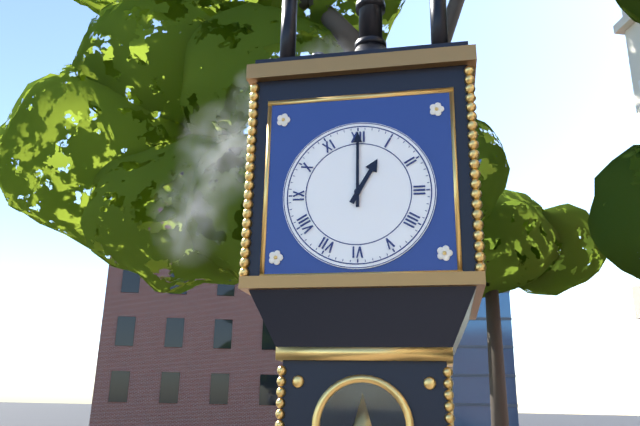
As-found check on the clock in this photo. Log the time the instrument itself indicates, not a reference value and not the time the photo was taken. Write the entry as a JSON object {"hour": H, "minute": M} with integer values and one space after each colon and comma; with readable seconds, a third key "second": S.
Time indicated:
{"hour": 1, "minute": 0}
